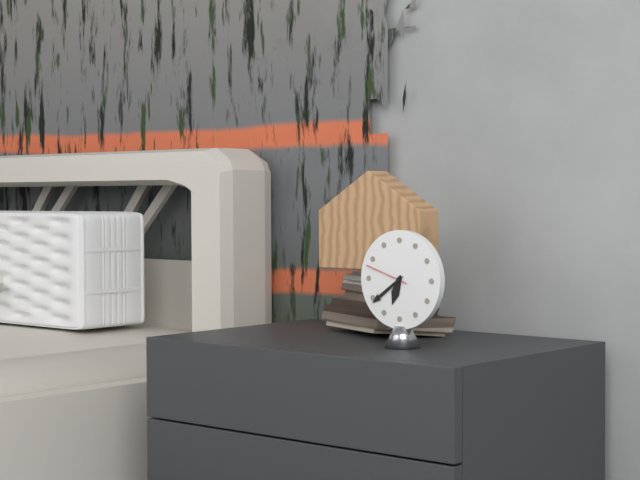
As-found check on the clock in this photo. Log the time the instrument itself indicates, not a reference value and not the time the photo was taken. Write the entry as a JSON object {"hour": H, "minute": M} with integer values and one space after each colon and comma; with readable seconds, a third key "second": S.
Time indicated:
{"hour": 6, "minute": 39}
